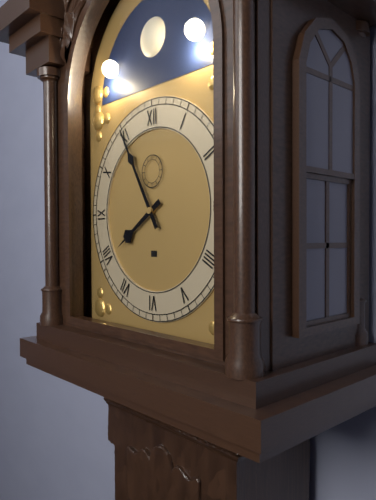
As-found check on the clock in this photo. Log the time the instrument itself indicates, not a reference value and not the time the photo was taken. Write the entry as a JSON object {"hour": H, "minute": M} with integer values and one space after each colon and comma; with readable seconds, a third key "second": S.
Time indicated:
{"hour": 7, "minute": 55}
